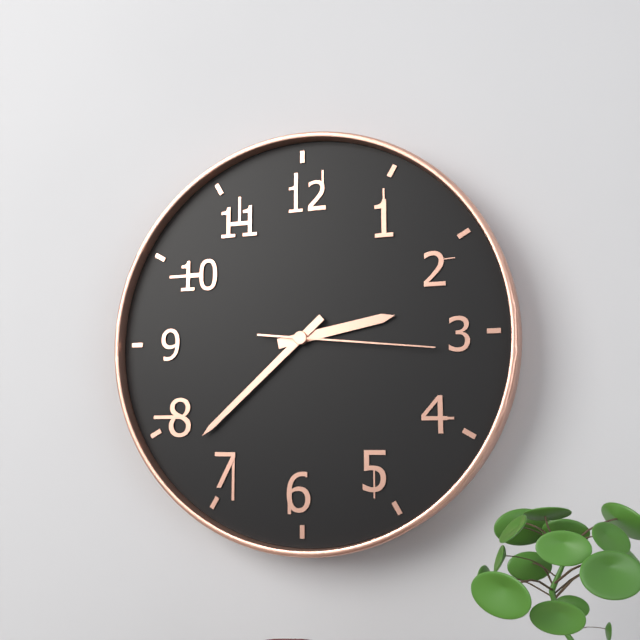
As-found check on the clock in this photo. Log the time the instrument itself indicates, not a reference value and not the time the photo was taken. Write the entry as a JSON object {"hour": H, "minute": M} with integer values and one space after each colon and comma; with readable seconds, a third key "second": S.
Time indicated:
{"hour": 2, "minute": 38, "second": 16}
